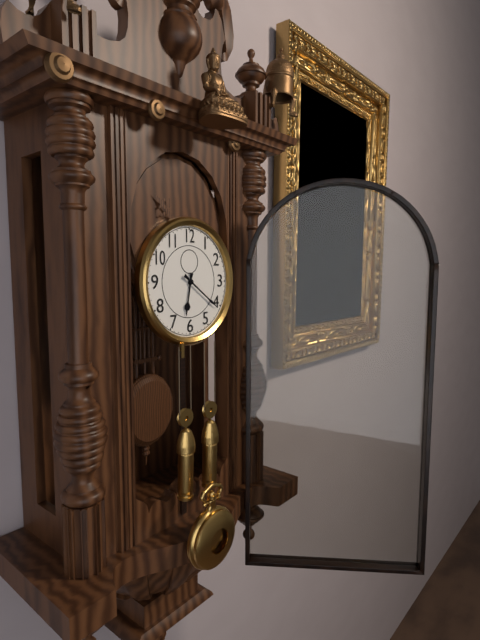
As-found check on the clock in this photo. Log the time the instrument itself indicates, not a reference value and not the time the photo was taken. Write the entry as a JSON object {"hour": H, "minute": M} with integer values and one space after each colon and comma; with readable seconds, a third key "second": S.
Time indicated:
{"hour": 6, "minute": 21}
